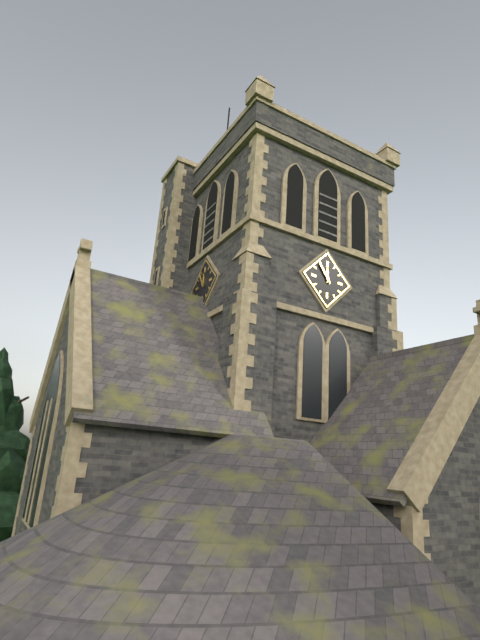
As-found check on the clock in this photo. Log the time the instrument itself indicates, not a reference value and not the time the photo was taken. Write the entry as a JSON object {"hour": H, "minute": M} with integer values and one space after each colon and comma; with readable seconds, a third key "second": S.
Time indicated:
{"hour": 11, "minute": 54}
